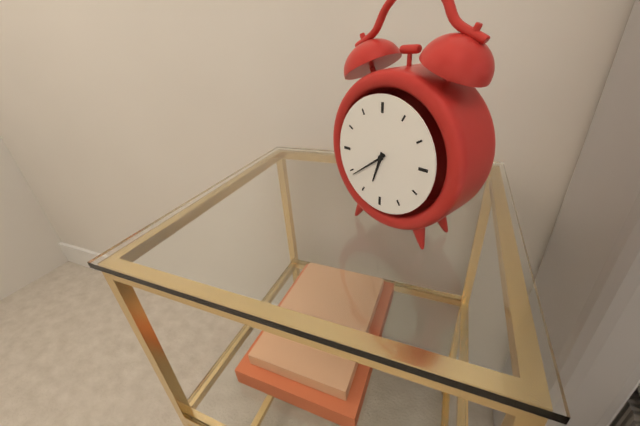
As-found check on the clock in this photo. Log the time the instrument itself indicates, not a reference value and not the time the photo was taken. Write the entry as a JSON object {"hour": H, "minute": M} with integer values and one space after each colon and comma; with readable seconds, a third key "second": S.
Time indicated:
{"hour": 6, "minute": 39}
